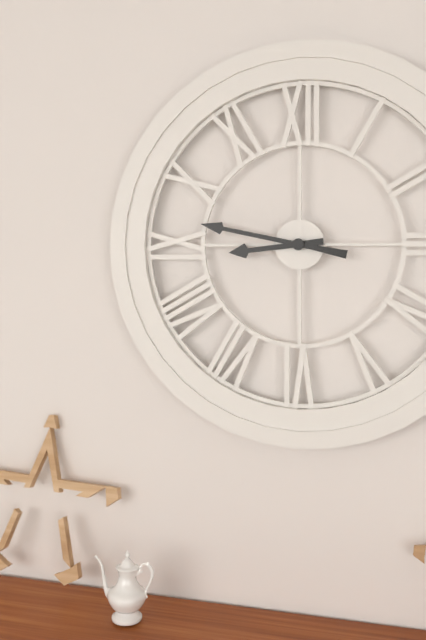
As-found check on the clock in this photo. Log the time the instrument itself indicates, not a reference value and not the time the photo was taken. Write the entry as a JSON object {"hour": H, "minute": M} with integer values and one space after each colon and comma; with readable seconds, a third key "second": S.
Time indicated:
{"hour": 8, "minute": 47}
